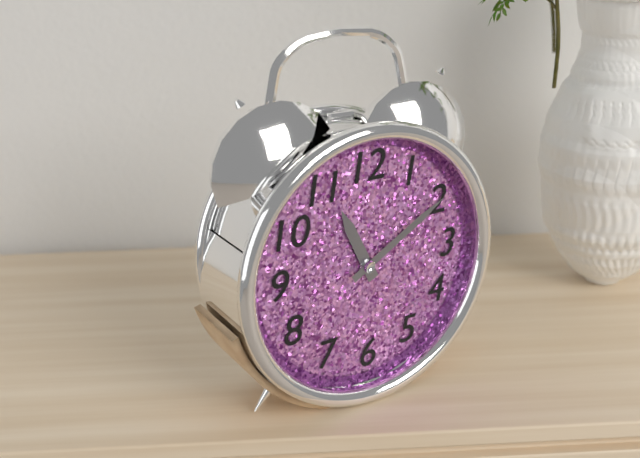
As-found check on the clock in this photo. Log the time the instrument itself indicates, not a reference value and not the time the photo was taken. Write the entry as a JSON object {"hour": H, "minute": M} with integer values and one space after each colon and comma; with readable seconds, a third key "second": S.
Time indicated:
{"hour": 11, "minute": 10}
